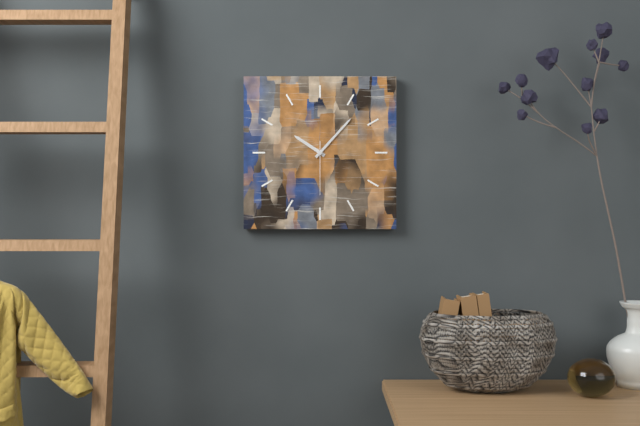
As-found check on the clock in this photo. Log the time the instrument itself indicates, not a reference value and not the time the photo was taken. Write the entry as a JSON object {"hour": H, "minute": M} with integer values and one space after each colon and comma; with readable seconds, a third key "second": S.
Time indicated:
{"hour": 10, "minute": 7, "second": 30}
